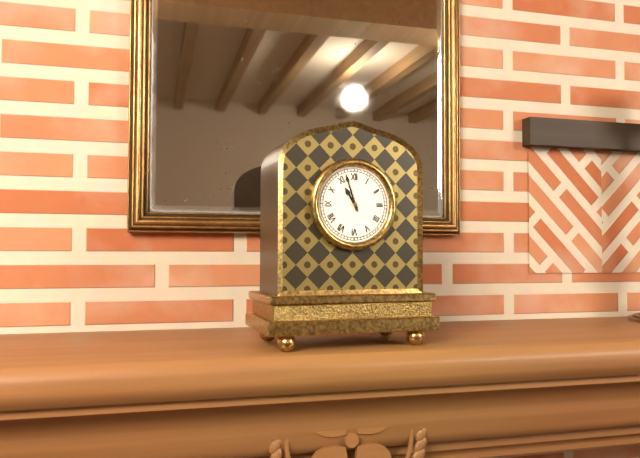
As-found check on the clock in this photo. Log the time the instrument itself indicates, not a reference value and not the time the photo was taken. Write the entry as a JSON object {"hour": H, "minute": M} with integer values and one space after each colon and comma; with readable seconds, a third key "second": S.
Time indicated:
{"hour": 10, "minute": 57}
